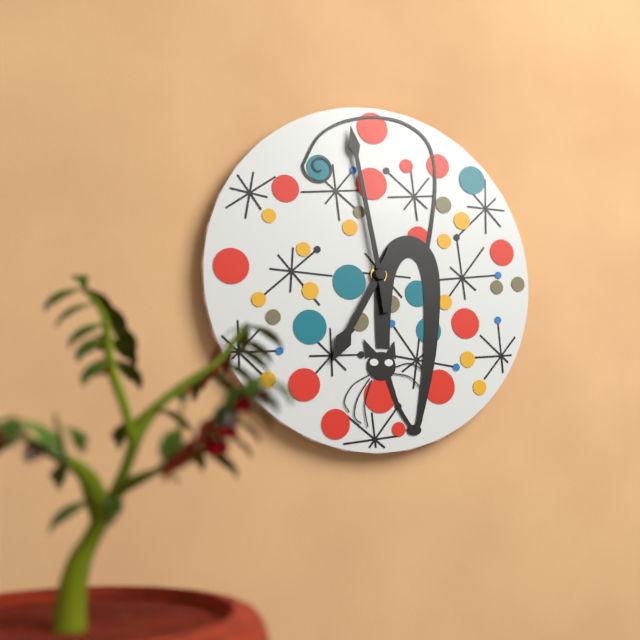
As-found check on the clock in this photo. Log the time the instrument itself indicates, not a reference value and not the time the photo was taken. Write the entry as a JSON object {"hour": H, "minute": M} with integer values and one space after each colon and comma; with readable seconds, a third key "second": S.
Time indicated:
{"hour": 6, "minute": 58}
